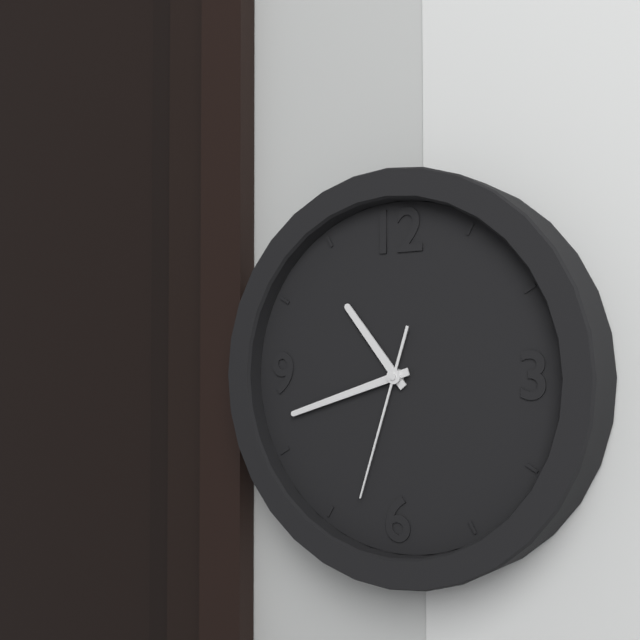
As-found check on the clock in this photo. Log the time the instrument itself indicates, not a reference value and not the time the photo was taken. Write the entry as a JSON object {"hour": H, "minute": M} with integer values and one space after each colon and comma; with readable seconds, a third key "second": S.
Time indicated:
{"hour": 10, "minute": 42, "second": 33}
